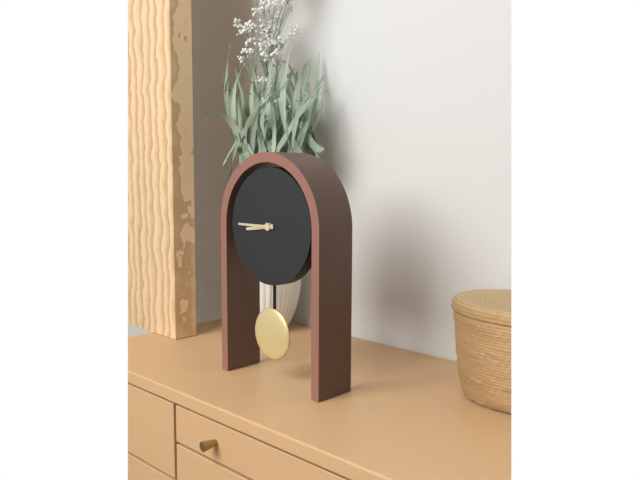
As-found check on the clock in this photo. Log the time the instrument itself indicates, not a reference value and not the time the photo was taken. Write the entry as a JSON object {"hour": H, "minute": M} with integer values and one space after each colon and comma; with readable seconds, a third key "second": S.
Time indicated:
{"hour": 8, "minute": 45}
